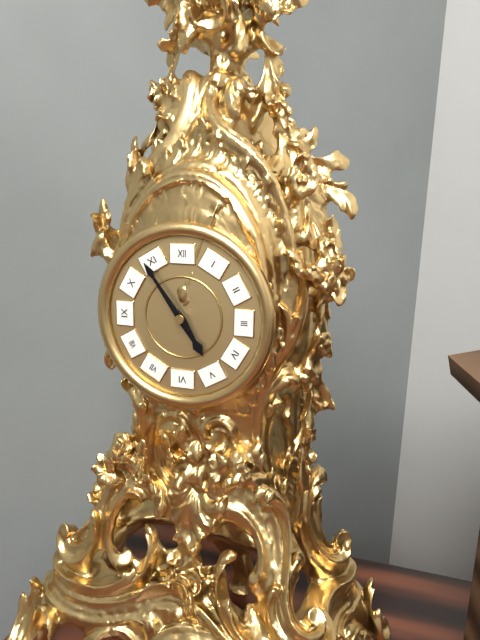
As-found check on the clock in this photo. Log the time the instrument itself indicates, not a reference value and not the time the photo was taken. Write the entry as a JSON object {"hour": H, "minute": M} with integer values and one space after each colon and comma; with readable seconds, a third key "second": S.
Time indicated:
{"hour": 4, "minute": 54}
